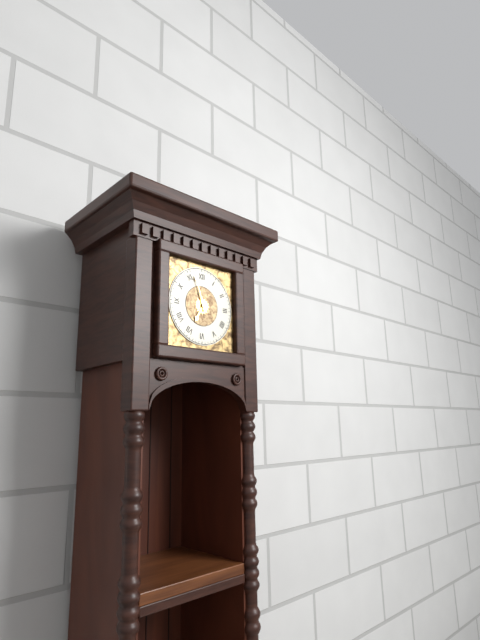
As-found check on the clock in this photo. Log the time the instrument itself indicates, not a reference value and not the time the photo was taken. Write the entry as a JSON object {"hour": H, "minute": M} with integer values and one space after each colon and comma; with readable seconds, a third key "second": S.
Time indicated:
{"hour": 6, "minute": 57}
